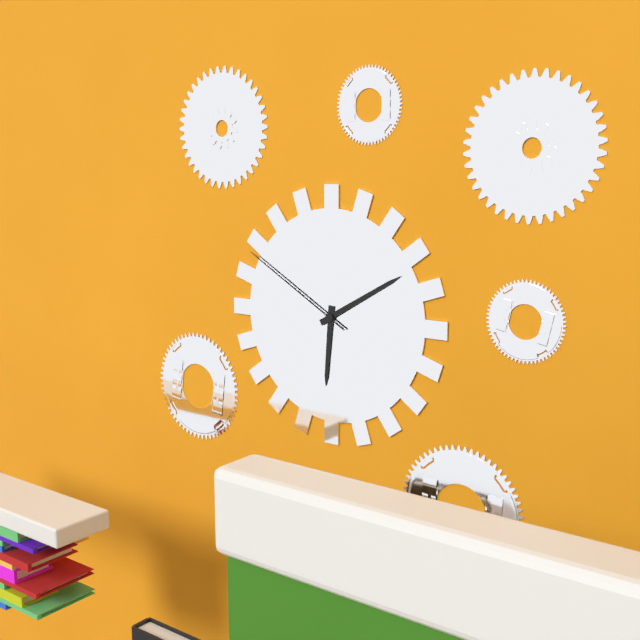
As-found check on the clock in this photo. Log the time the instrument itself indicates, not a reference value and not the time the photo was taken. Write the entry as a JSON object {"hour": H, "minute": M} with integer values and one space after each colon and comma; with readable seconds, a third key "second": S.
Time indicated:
{"hour": 6, "minute": 10, "second": 50}
